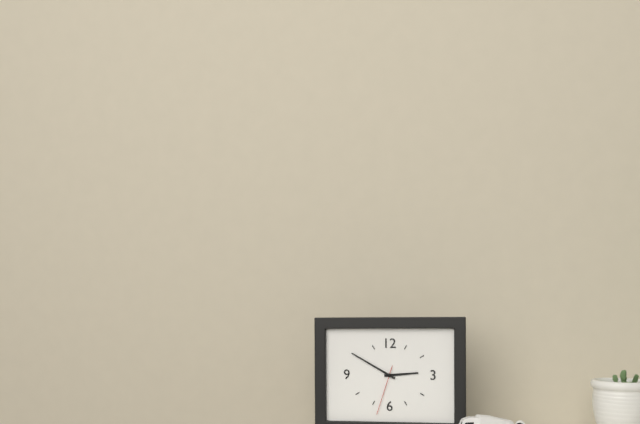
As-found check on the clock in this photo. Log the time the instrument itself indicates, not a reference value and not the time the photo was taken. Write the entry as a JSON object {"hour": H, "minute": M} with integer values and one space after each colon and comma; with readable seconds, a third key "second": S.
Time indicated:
{"hour": 2, "minute": 50, "second": 33}
